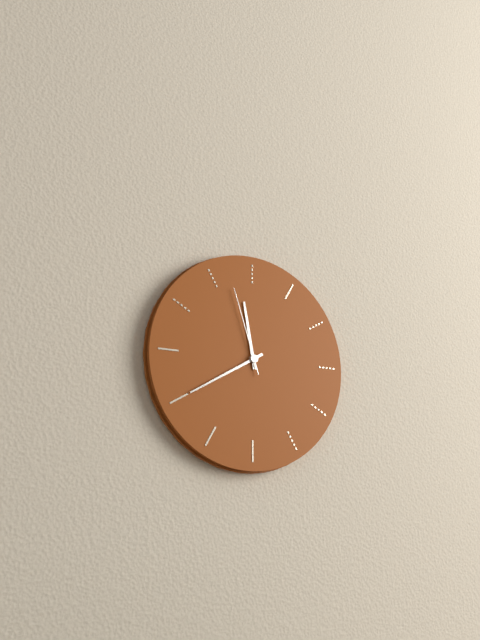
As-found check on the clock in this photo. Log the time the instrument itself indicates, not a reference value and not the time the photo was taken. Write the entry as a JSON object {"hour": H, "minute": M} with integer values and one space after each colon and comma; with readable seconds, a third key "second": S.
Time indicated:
{"hour": 11, "minute": 40, "second": 57}
